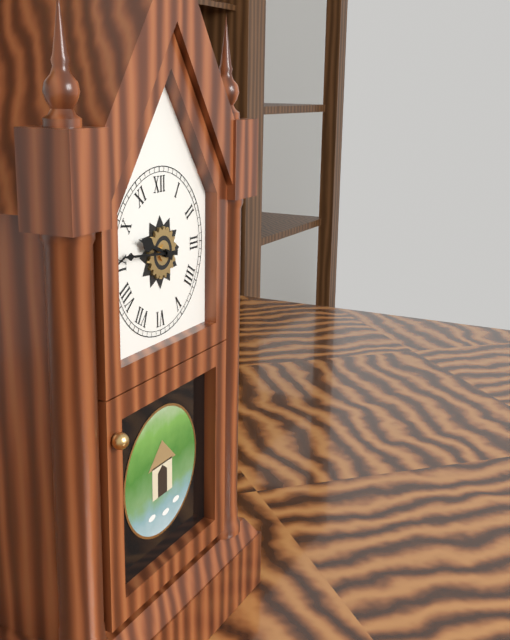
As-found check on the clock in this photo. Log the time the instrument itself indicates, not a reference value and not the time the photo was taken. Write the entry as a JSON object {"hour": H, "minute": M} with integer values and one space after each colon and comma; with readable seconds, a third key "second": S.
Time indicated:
{"hour": 9, "minute": 46}
